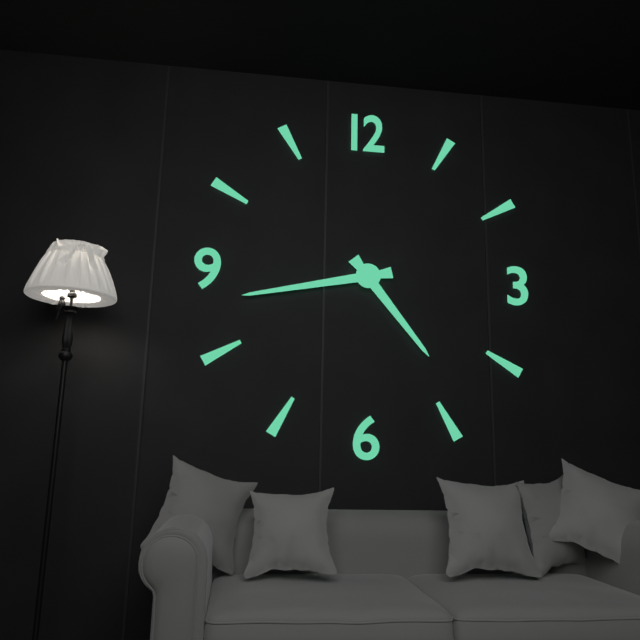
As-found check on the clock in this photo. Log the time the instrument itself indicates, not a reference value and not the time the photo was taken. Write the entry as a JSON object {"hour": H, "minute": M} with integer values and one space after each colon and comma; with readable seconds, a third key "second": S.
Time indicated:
{"hour": 4, "minute": 43}
